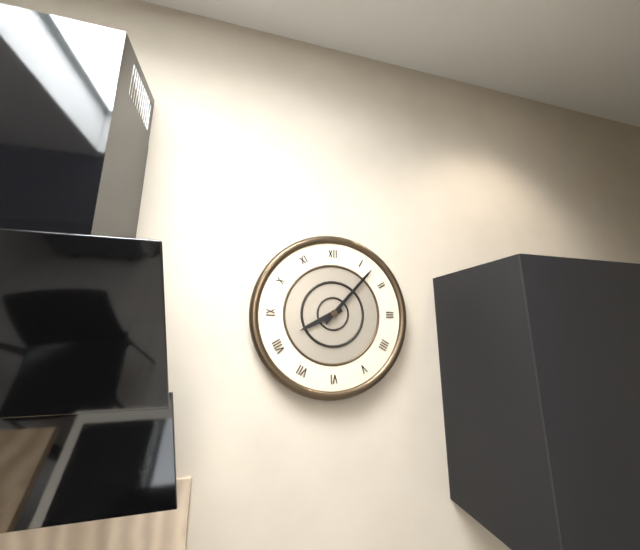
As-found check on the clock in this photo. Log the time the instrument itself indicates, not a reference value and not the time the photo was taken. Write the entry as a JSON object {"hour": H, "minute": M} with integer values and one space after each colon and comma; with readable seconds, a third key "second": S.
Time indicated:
{"hour": 8, "minute": 7}
